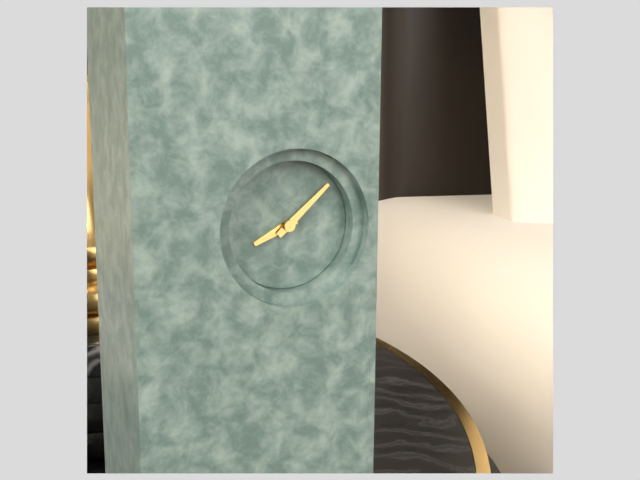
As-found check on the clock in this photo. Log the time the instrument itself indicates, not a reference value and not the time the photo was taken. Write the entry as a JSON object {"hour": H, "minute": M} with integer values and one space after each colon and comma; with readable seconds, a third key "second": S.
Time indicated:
{"hour": 8, "minute": 8}
